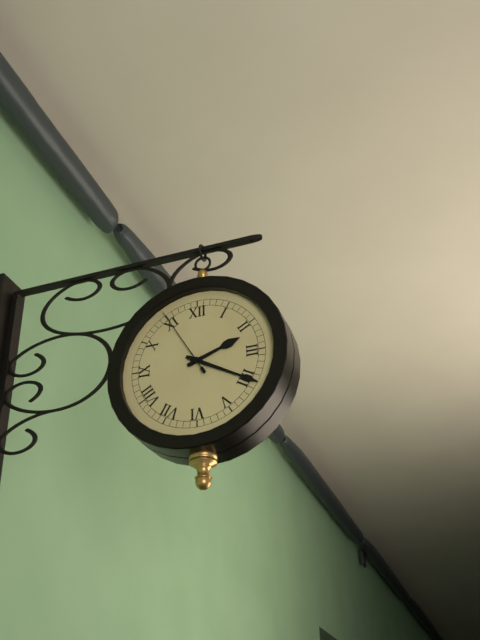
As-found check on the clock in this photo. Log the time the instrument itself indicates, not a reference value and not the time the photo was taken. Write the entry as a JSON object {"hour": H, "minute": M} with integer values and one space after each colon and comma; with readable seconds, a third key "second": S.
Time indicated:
{"hour": 2, "minute": 20, "second": 55}
